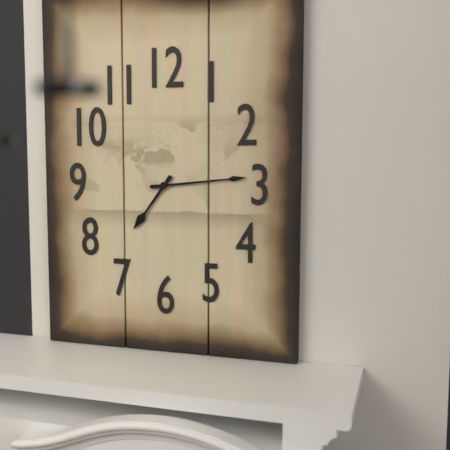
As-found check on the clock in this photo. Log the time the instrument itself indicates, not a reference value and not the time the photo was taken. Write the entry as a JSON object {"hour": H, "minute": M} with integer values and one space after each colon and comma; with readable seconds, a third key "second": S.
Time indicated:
{"hour": 7, "minute": 14}
